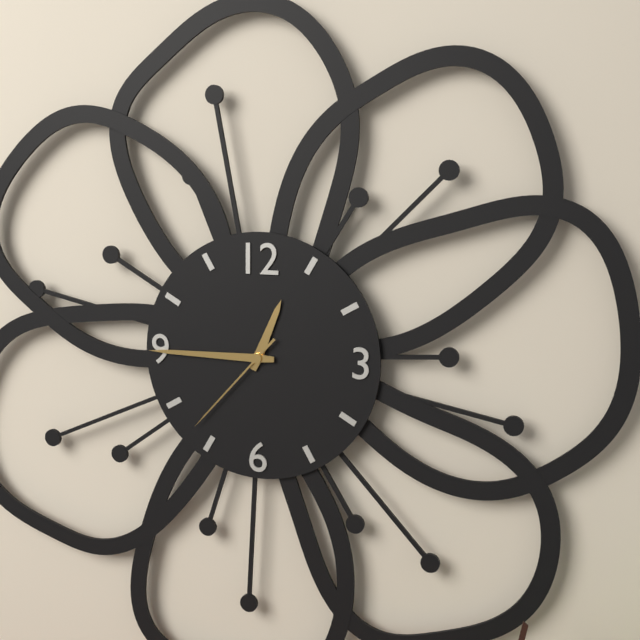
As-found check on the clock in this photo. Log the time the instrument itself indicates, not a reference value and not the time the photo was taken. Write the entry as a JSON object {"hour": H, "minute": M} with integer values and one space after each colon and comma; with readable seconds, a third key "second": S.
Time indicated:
{"hour": 12, "minute": 45, "second": 37}
